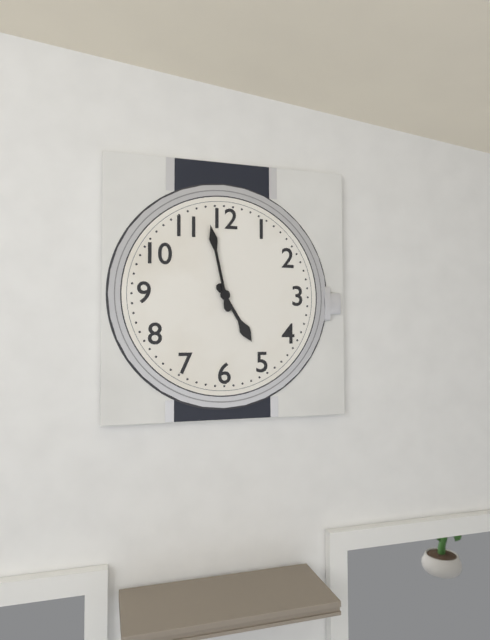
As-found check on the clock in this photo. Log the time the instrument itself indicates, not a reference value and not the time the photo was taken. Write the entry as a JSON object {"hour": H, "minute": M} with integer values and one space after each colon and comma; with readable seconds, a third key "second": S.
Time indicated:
{"hour": 4, "minute": 58}
